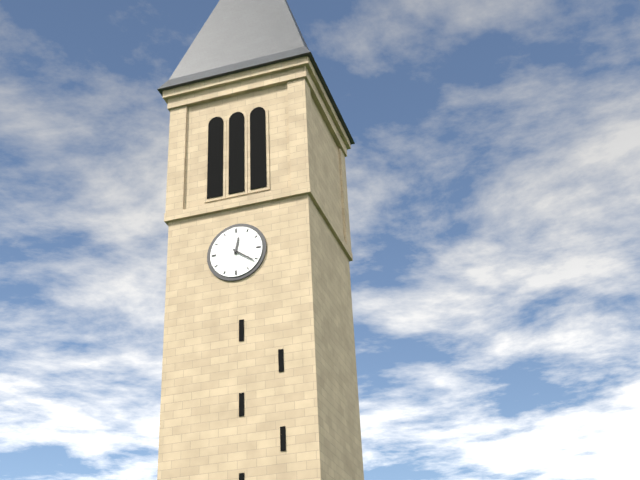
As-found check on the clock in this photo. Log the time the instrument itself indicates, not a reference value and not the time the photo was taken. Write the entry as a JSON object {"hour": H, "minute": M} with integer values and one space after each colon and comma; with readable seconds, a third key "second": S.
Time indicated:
{"hour": 12, "minute": 21}
